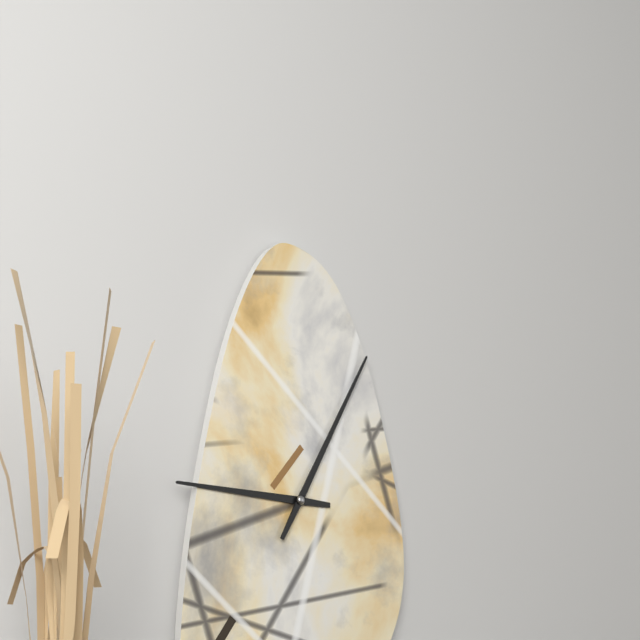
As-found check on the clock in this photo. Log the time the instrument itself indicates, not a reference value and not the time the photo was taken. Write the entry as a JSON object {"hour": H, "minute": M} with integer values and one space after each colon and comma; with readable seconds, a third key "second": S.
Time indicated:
{"hour": 9, "minute": 5}
